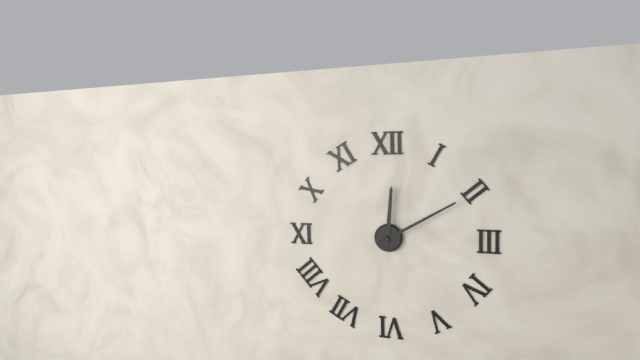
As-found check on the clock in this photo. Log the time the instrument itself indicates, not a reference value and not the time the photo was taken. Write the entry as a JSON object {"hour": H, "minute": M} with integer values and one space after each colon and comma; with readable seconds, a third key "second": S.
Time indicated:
{"hour": 12, "minute": 10}
